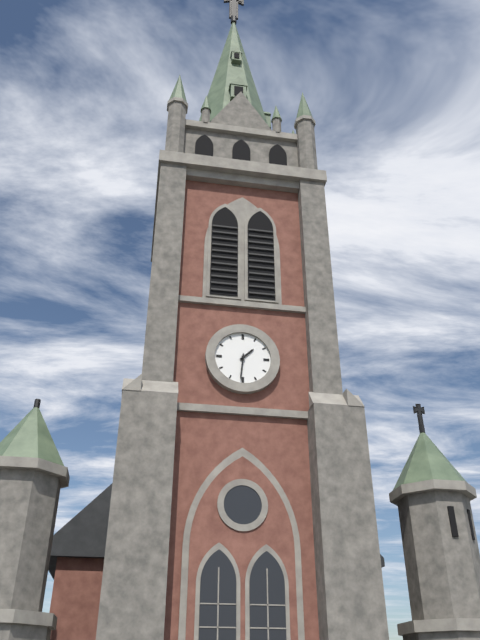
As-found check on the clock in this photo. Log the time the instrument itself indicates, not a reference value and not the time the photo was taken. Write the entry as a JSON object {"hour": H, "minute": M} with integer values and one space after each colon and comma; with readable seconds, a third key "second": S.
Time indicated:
{"hour": 1, "minute": 31}
